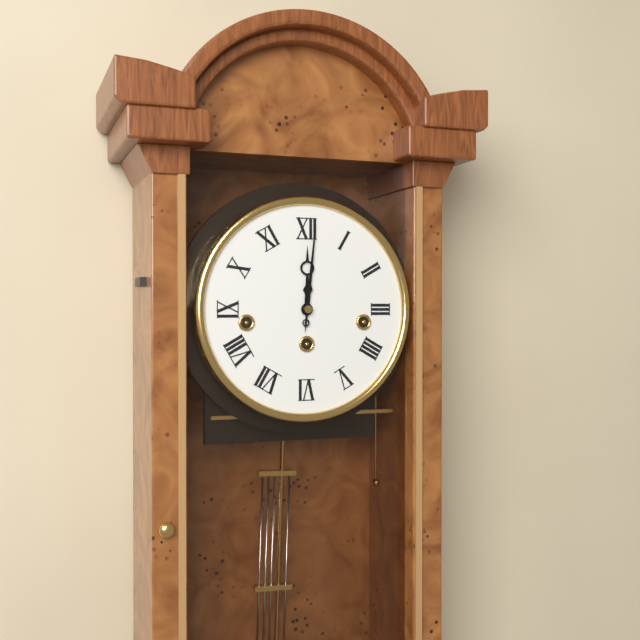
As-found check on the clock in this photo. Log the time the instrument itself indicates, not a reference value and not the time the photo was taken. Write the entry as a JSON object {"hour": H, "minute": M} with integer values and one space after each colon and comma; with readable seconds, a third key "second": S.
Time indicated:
{"hour": 12, "minute": 1}
